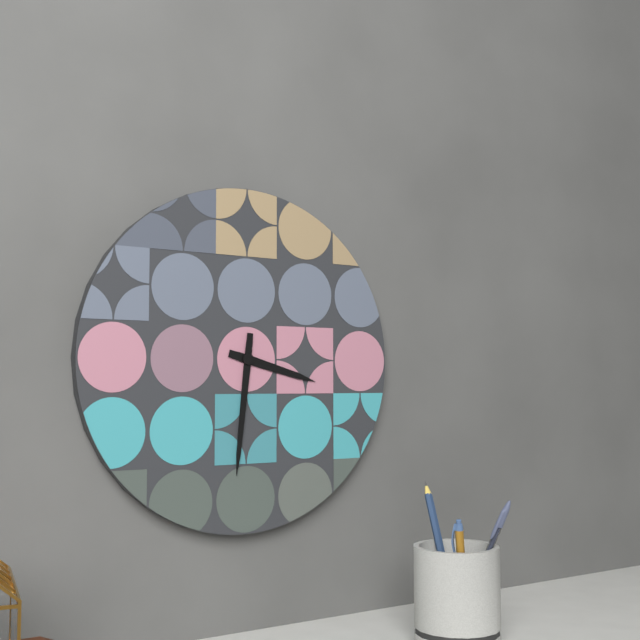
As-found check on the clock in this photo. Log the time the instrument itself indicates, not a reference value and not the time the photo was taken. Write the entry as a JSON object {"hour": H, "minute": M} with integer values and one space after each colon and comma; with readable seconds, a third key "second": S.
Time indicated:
{"hour": 3, "minute": 31}
